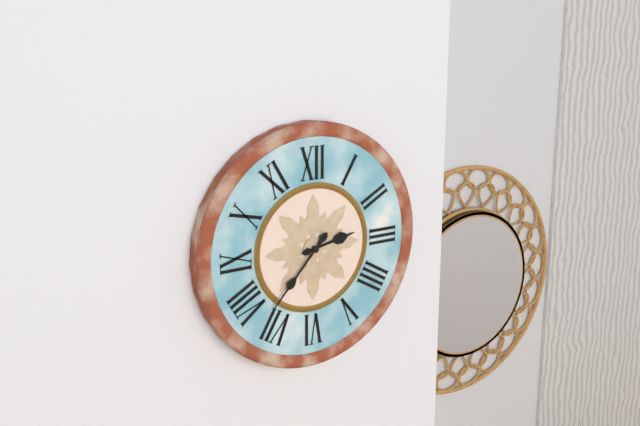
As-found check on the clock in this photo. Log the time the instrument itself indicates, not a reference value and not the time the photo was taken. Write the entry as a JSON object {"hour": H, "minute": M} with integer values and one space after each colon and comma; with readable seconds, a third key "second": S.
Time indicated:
{"hour": 2, "minute": 37}
